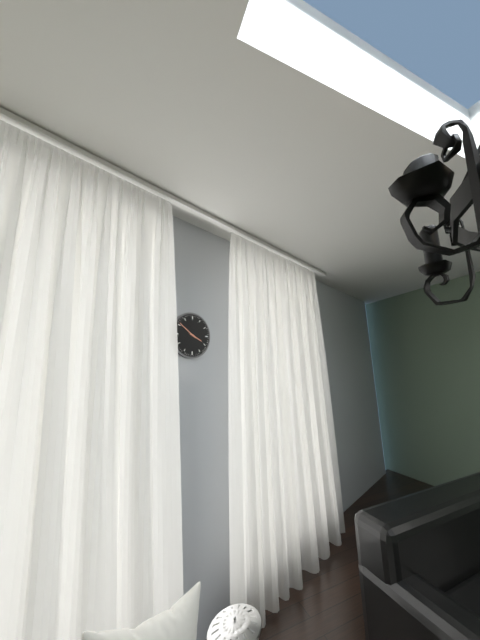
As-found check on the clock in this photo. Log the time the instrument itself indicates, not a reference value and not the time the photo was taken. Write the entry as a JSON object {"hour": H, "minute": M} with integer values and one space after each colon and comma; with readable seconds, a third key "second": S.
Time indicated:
{"hour": 3, "minute": 51}
